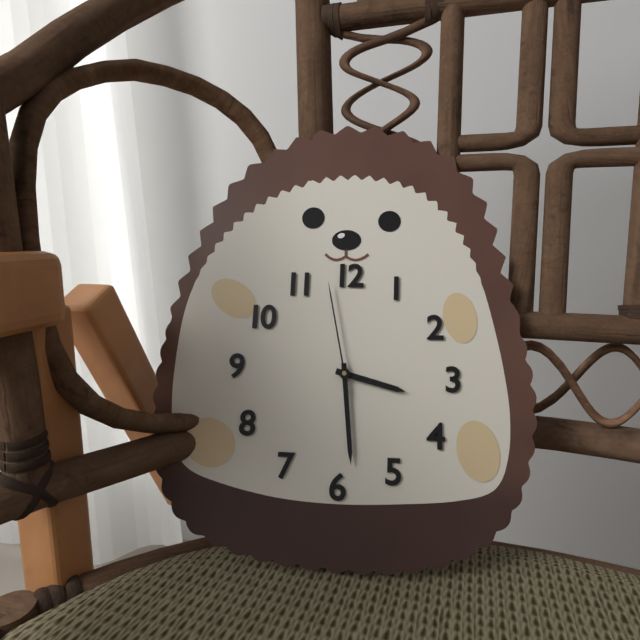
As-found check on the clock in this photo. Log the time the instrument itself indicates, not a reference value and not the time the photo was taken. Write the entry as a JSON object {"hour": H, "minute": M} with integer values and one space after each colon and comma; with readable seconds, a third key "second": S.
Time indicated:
{"hour": 3, "minute": 29, "second": 58}
